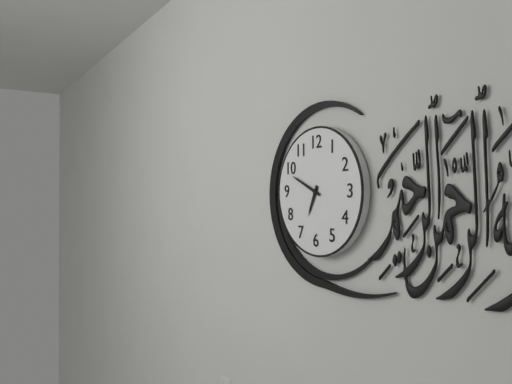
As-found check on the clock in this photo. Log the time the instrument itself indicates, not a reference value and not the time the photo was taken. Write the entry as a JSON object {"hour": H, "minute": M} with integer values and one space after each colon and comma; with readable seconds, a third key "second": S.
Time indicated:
{"hour": 6, "minute": 49}
